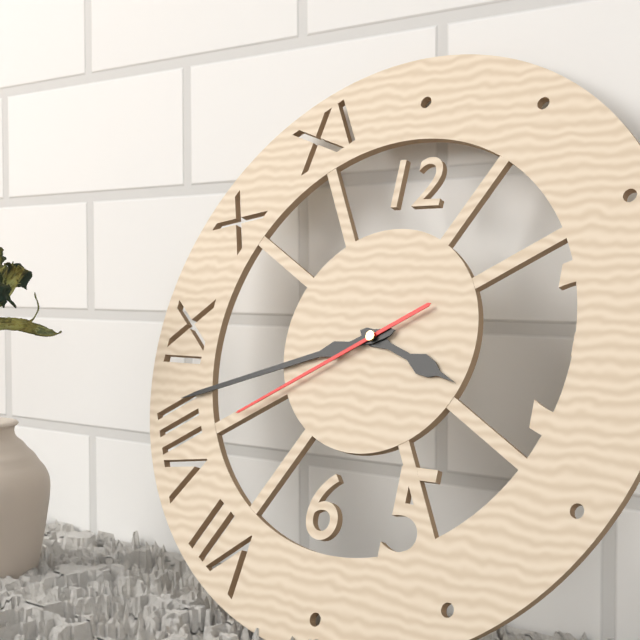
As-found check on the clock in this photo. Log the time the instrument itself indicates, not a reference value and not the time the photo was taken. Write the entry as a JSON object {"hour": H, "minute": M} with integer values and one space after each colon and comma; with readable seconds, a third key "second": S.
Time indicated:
{"hour": 3, "minute": 42, "second": 40}
